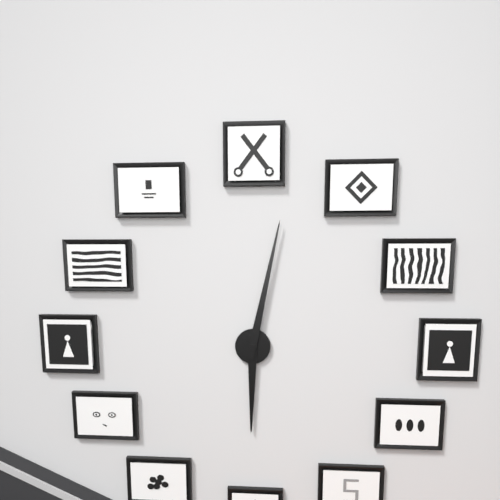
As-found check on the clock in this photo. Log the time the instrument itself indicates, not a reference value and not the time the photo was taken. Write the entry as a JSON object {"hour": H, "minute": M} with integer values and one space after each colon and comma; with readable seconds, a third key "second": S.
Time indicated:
{"hour": 6, "minute": 2}
